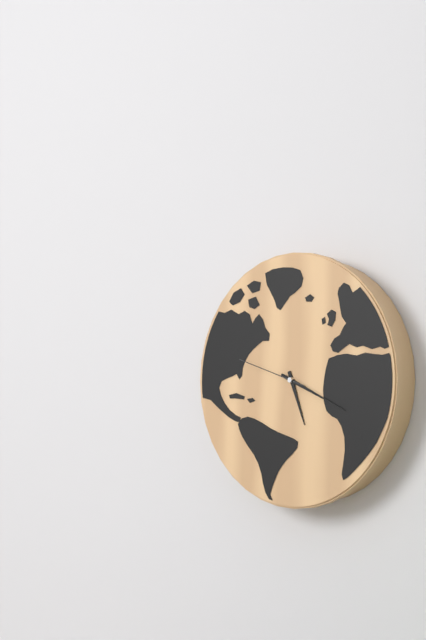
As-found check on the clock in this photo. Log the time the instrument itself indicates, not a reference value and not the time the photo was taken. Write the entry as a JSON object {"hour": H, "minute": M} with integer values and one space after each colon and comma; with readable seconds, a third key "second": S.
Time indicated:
{"hour": 5, "minute": 19, "second": 48}
